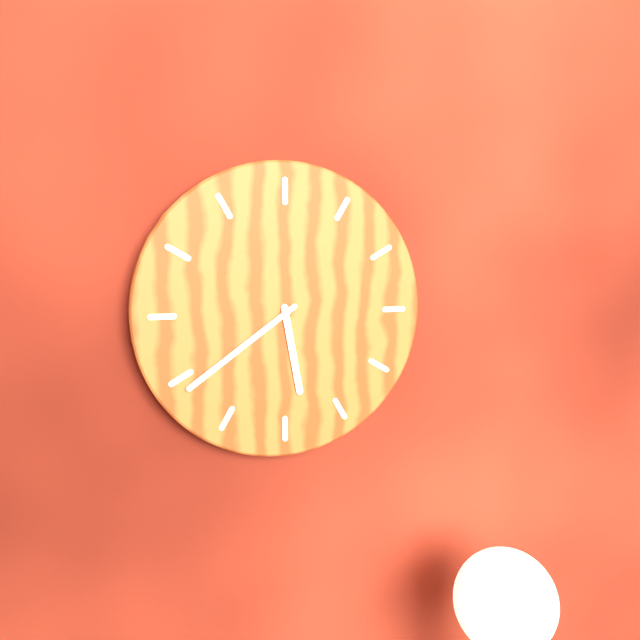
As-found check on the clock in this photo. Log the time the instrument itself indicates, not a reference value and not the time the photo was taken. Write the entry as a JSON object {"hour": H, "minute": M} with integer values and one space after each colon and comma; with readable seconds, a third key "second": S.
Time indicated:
{"hour": 5, "minute": 39}
